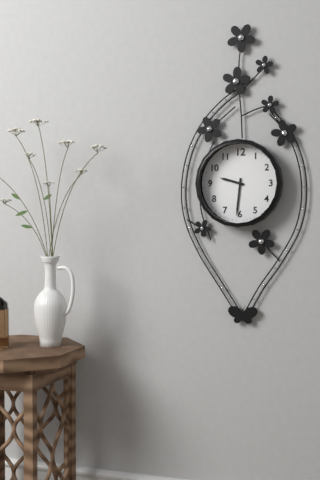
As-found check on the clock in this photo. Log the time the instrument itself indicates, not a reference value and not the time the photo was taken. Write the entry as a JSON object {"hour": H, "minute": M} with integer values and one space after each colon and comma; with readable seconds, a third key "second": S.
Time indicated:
{"hour": 9, "minute": 31}
